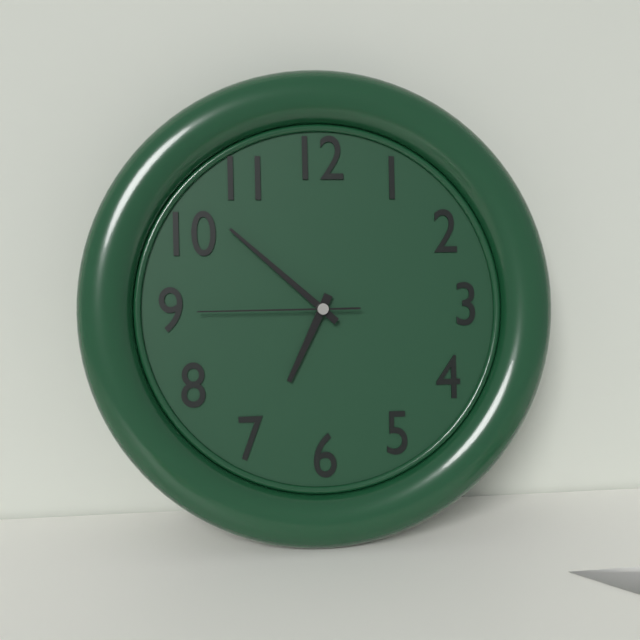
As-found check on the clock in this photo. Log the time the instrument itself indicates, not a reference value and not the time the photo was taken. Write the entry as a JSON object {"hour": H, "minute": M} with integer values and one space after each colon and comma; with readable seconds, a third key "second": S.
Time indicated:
{"hour": 6, "minute": 52, "second": 45}
